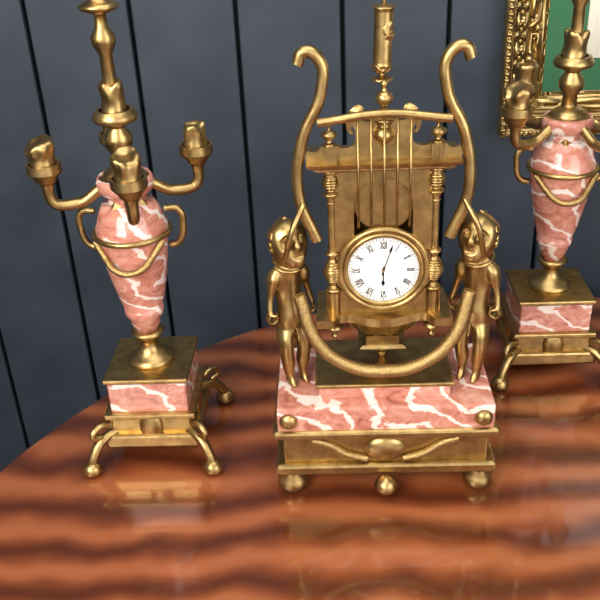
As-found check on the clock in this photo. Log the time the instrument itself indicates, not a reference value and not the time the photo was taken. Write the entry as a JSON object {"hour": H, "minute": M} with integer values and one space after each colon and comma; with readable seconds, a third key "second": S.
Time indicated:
{"hour": 6, "minute": 3}
